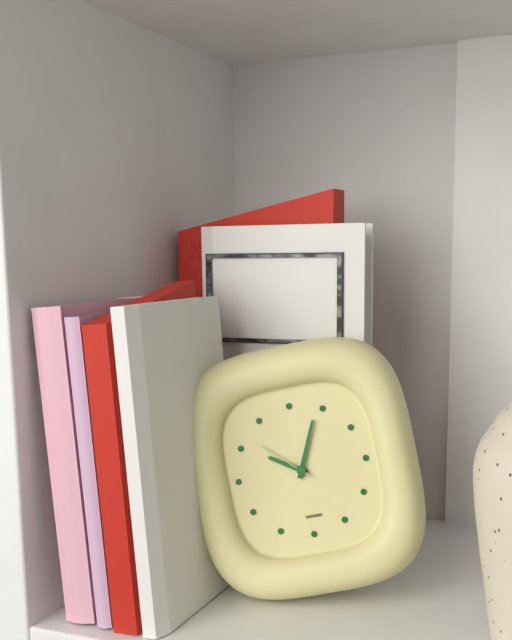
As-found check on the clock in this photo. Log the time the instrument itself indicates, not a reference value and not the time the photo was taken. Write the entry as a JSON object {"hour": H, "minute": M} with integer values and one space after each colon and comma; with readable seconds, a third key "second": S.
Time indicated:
{"hour": 10, "minute": 4, "second": 52}
